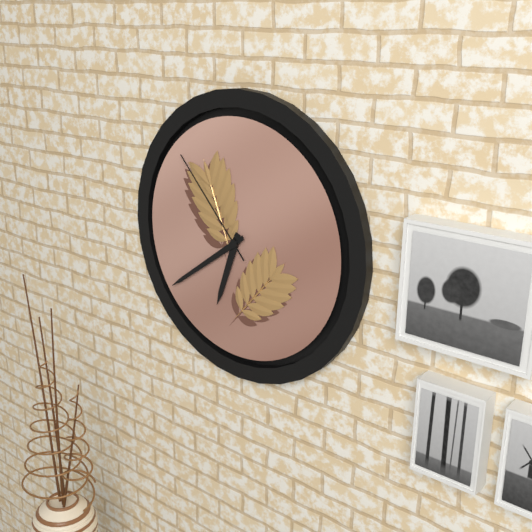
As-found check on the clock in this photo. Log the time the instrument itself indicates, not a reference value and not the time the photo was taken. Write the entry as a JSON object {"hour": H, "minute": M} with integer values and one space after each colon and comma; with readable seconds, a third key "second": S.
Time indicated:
{"hour": 6, "minute": 39, "second": 53}
